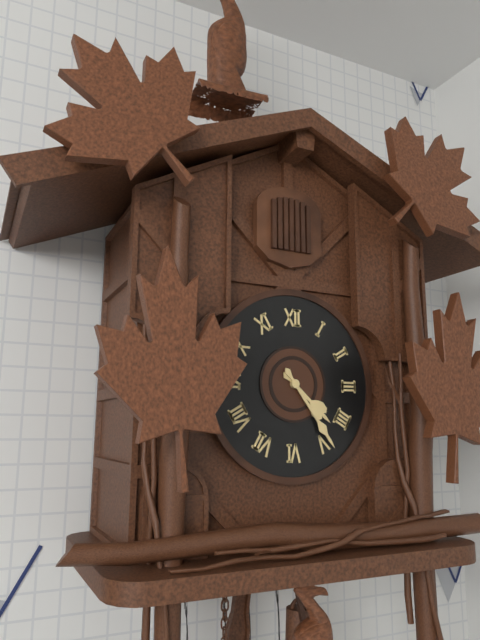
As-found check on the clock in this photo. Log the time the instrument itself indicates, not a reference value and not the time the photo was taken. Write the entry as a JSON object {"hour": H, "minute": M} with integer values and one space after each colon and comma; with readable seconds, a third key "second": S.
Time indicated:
{"hour": 4, "minute": 24}
